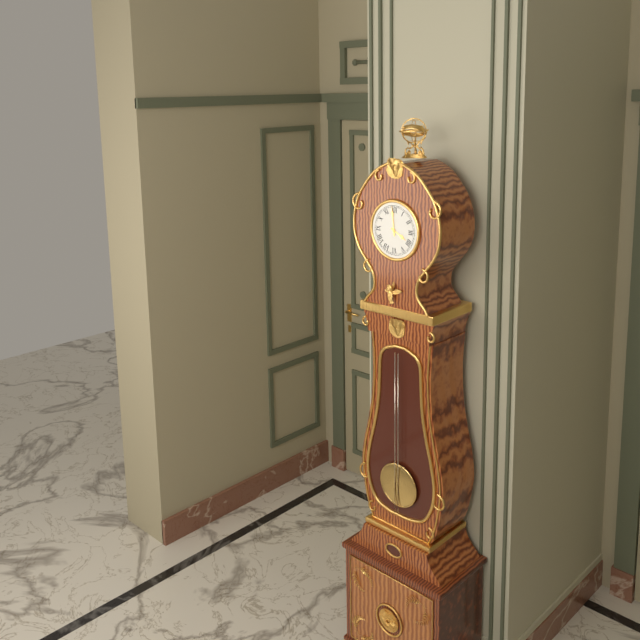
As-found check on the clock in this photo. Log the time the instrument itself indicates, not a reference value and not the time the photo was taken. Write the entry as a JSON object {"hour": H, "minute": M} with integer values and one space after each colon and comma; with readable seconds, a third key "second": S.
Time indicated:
{"hour": 3, "minute": 59}
